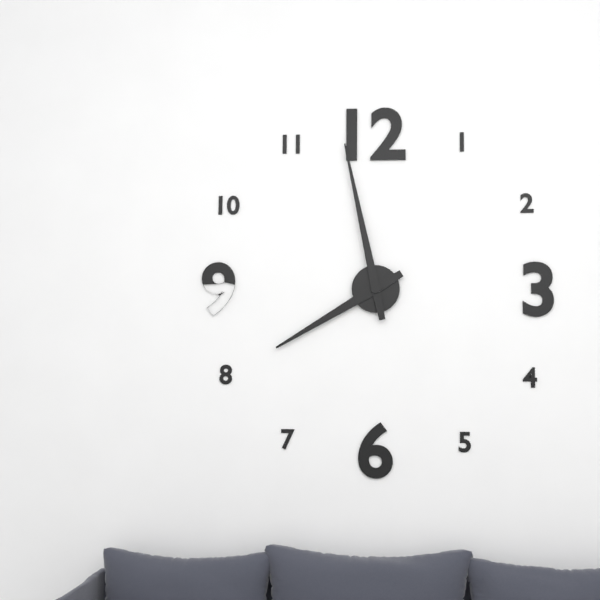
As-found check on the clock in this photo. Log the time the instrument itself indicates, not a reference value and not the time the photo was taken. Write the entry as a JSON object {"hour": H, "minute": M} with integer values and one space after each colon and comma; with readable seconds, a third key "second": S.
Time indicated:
{"hour": 7, "minute": 58}
